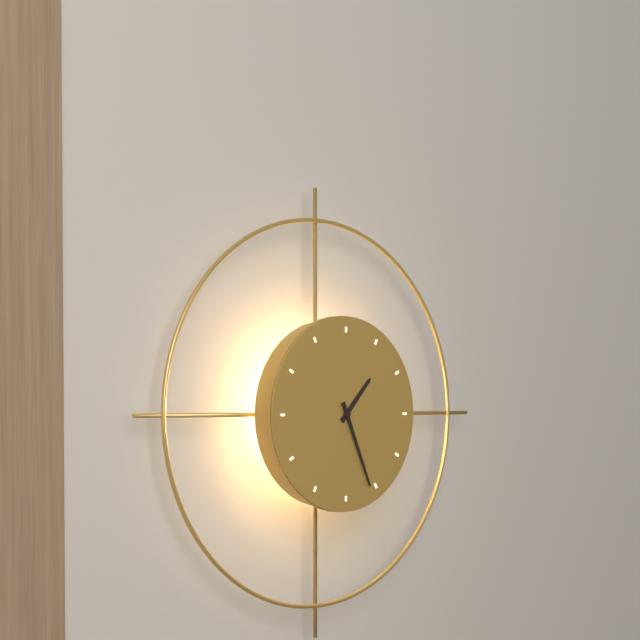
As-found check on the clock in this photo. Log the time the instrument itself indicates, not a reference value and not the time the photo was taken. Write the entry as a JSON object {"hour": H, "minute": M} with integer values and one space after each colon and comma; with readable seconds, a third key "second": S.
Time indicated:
{"hour": 1, "minute": 26}
